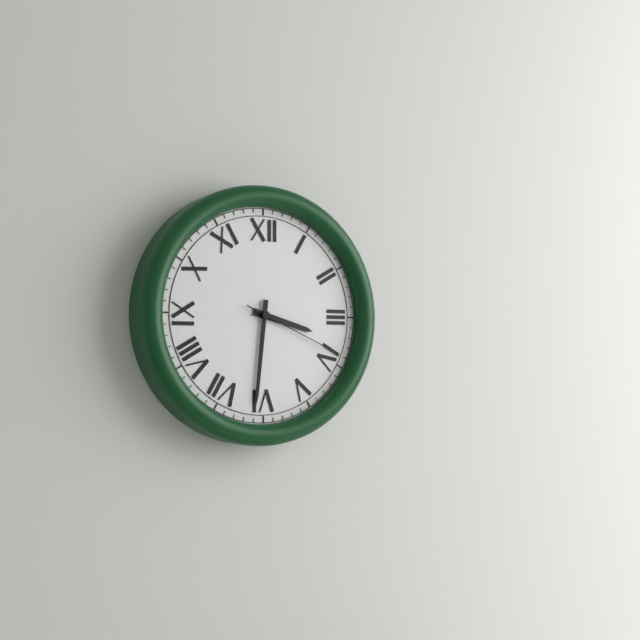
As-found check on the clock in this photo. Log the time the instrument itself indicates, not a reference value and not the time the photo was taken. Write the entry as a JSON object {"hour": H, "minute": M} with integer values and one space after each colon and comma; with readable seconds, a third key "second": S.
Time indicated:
{"hour": 3, "minute": 31, "second": 19}
